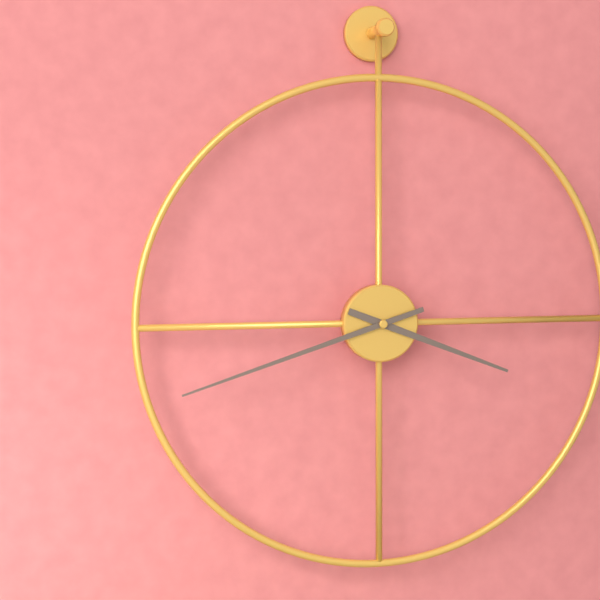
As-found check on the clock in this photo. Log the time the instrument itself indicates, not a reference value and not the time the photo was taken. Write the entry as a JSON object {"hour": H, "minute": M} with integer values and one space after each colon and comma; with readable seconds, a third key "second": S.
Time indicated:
{"hour": 3, "minute": 42}
